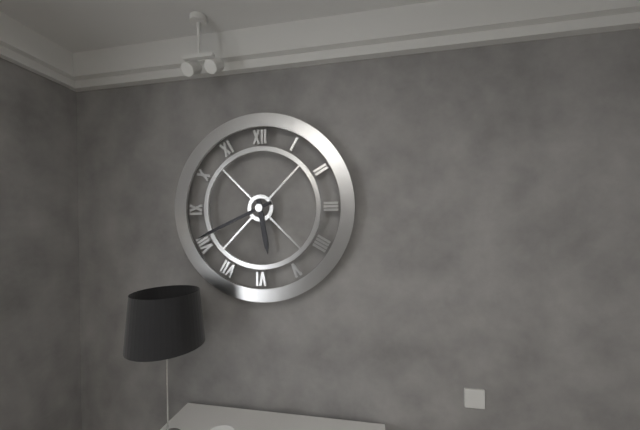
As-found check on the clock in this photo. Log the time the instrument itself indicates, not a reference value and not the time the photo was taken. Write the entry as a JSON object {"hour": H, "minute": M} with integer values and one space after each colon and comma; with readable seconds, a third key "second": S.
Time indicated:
{"hour": 5, "minute": 41}
